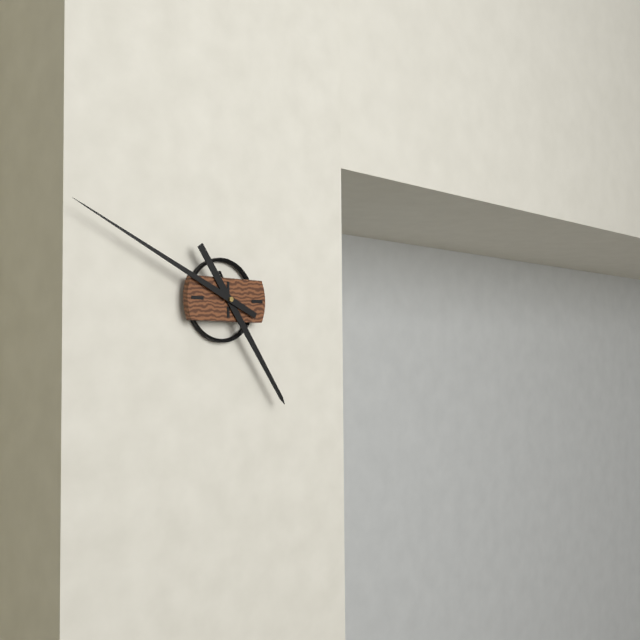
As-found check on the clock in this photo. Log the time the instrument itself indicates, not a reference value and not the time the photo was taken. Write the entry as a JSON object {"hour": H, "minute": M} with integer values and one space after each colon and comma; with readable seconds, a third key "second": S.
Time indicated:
{"hour": 4, "minute": 49}
